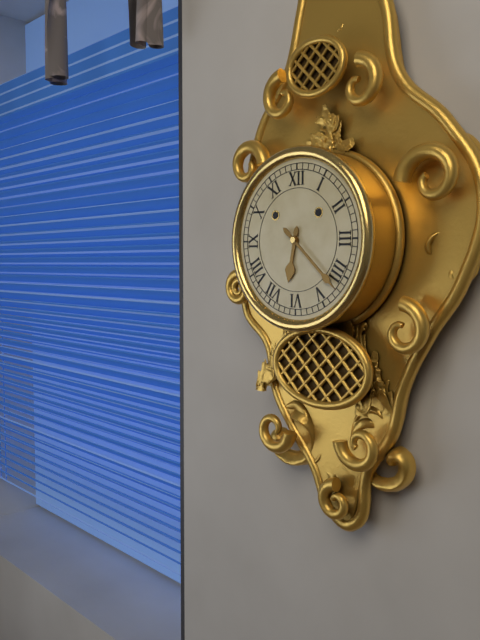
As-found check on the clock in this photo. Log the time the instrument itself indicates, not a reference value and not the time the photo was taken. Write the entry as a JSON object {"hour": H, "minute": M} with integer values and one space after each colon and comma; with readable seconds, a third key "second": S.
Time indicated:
{"hour": 6, "minute": 22}
